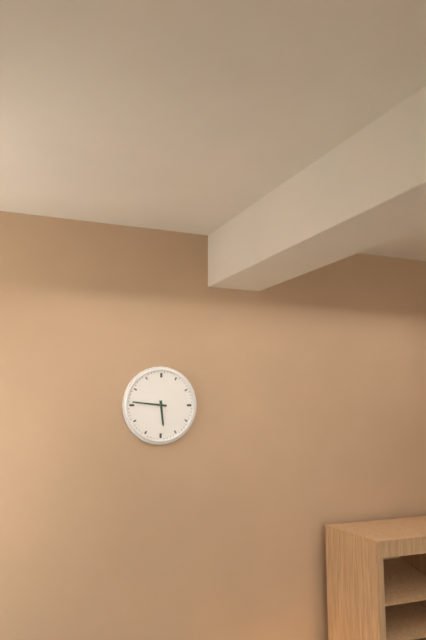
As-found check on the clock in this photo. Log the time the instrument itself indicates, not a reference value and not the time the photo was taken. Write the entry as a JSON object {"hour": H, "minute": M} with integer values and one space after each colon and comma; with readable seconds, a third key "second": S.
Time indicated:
{"hour": 5, "minute": 46}
